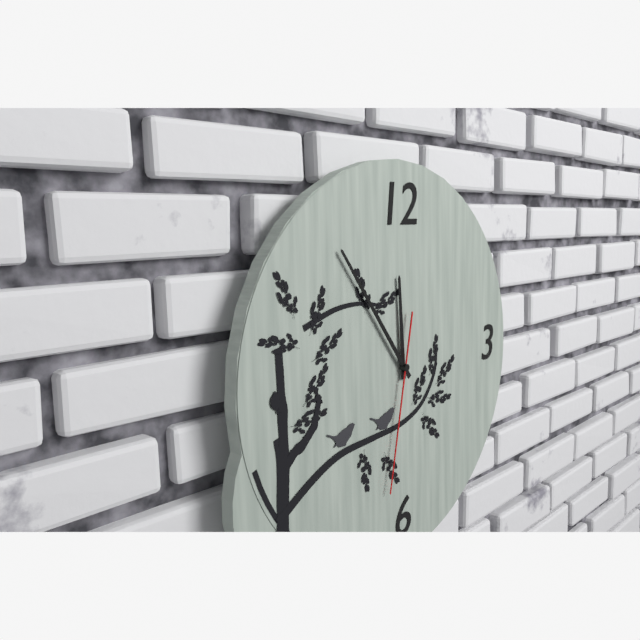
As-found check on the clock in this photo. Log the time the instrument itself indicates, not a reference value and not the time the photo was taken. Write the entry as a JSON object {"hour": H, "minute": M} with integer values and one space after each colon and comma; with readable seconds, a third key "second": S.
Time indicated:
{"hour": 11, "minute": 54, "second": 32}
